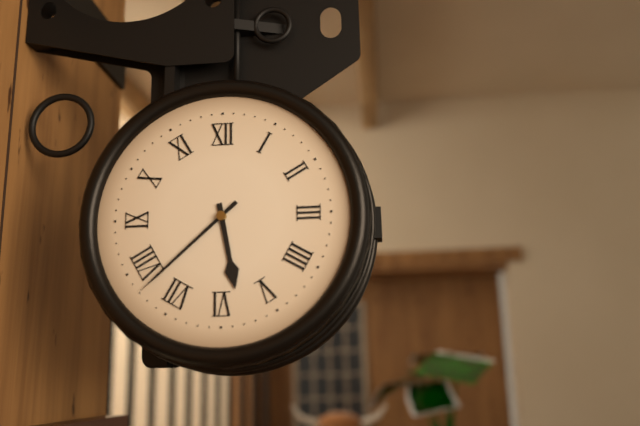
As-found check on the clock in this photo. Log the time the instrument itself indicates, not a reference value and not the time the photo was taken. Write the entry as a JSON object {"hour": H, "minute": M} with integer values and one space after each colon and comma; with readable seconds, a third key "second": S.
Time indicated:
{"hour": 5, "minute": 38}
